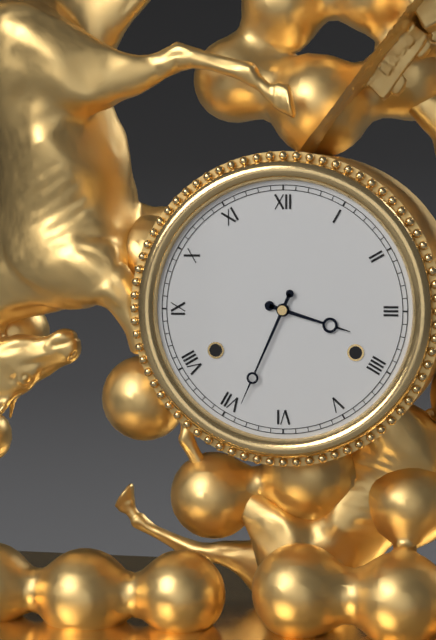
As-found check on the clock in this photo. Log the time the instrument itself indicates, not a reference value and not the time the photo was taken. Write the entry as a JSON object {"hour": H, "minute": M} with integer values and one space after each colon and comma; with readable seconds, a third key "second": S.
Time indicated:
{"hour": 3, "minute": 34}
